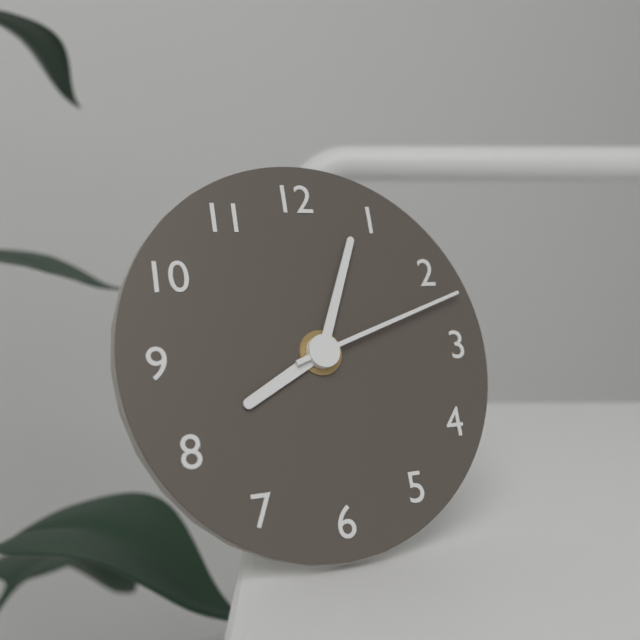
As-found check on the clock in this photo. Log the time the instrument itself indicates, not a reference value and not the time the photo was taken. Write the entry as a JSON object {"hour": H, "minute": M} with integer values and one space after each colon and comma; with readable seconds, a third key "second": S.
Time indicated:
{"hour": 8, "minute": 4, "second": 12}
